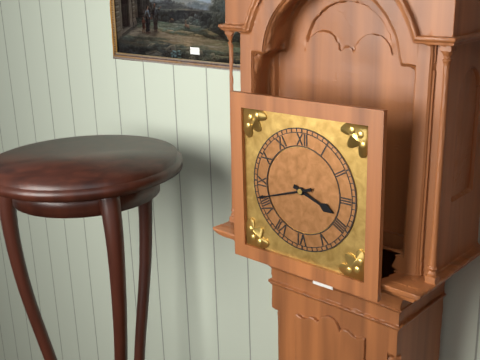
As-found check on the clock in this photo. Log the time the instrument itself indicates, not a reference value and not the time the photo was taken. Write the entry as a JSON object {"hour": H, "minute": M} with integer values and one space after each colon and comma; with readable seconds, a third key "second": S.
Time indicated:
{"hour": 3, "minute": 42}
